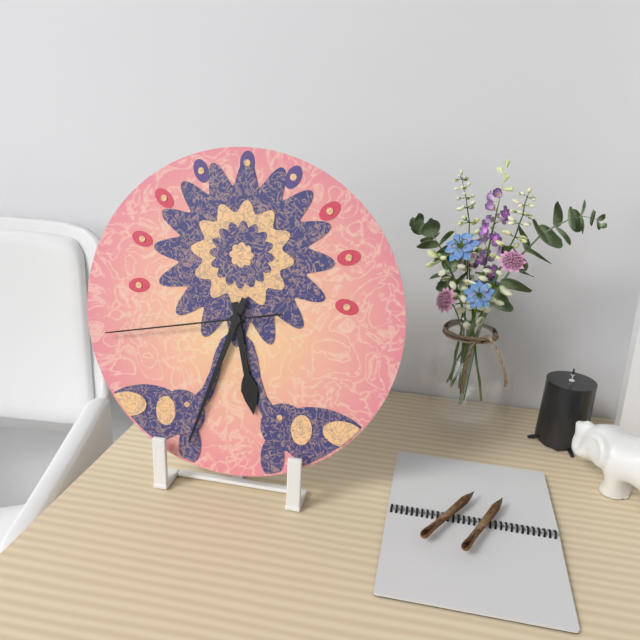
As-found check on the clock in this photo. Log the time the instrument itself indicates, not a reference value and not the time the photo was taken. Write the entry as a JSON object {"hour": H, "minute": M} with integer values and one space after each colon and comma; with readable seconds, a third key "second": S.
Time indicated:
{"hour": 5, "minute": 33, "second": 43}
